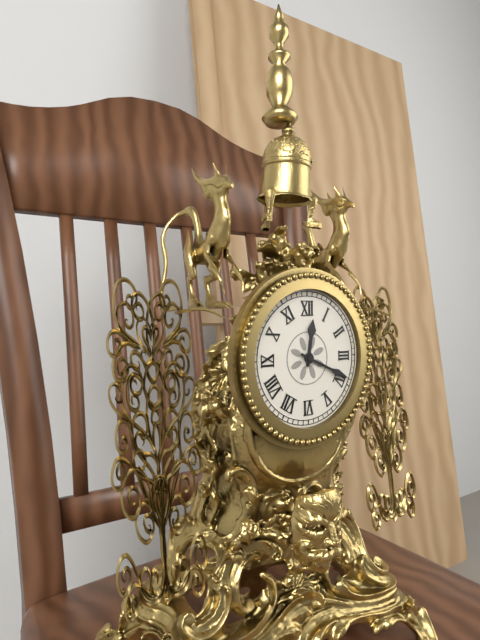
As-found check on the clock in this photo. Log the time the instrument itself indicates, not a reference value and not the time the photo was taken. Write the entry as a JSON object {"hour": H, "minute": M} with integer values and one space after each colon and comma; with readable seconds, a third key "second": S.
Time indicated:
{"hour": 12, "minute": 19}
